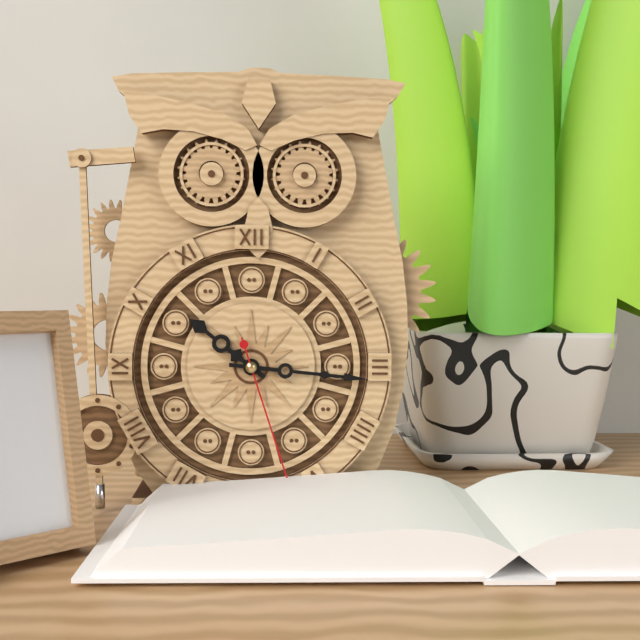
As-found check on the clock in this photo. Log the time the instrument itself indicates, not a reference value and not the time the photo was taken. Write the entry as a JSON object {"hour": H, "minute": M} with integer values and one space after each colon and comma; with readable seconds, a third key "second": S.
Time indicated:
{"hour": 10, "minute": 16, "second": 27}
